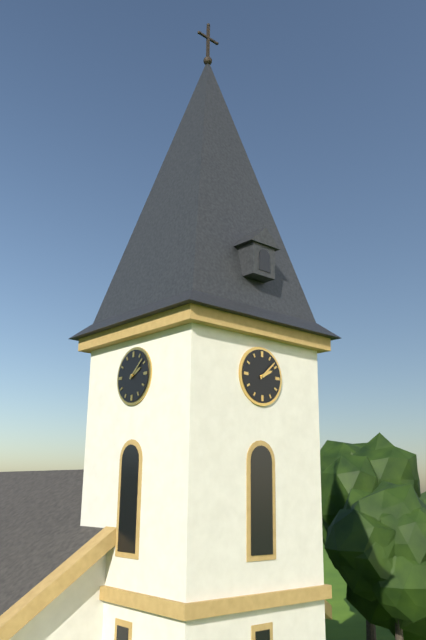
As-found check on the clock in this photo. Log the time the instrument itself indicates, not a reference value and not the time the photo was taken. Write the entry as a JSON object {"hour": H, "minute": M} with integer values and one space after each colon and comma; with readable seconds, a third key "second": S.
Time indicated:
{"hour": 2, "minute": 8}
